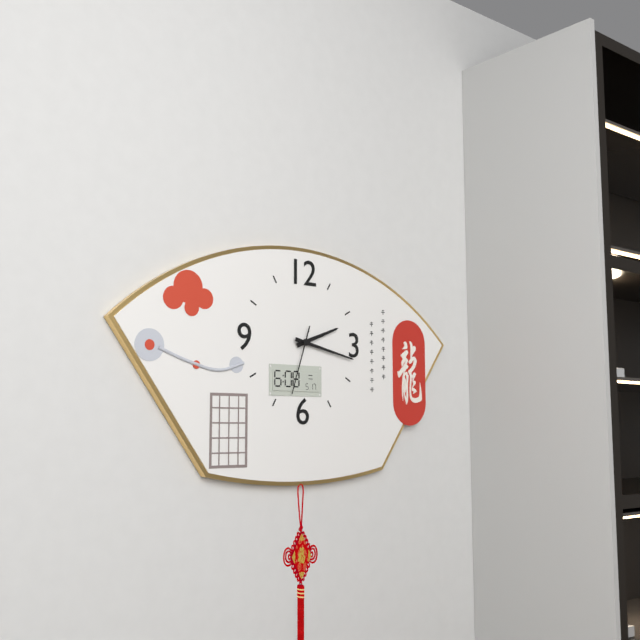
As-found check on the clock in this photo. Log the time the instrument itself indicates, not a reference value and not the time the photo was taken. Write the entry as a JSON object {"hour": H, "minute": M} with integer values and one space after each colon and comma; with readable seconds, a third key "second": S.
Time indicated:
{"hour": 2, "minute": 17, "second": 33}
